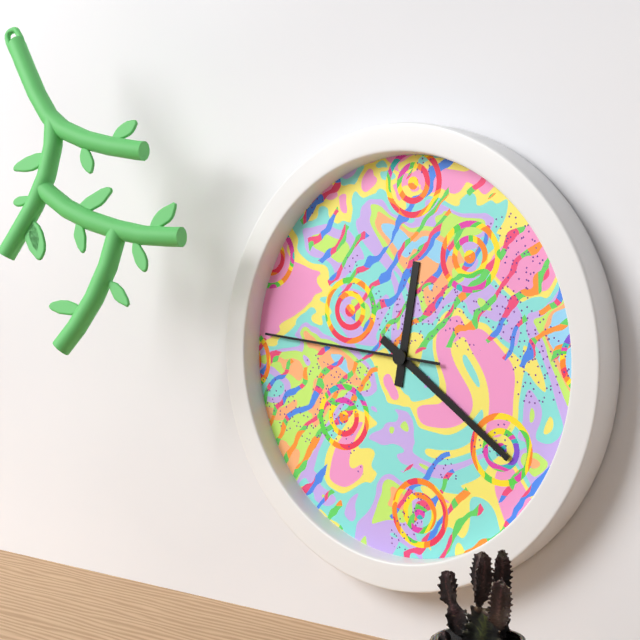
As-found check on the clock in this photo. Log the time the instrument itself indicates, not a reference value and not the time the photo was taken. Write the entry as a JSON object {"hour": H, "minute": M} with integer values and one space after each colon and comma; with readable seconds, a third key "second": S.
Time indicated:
{"hour": 12, "minute": 21, "second": 46}
